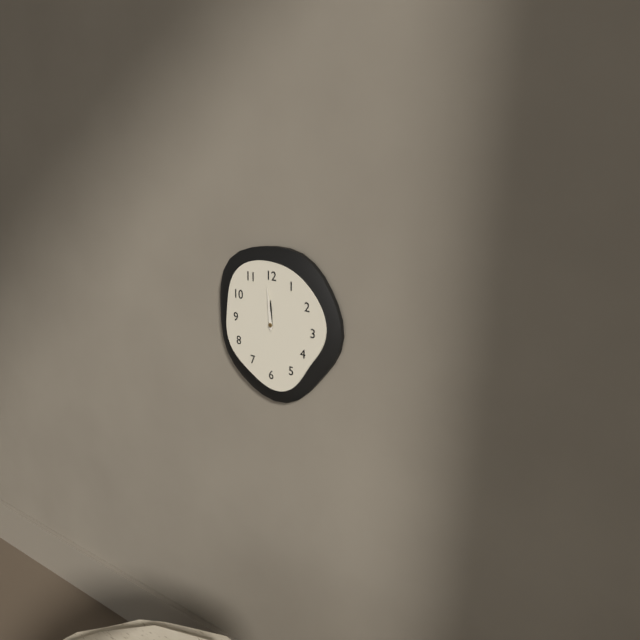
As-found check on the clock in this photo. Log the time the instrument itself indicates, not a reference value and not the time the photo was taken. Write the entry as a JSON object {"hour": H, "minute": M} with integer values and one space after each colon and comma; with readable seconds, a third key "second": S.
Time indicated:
{"hour": 11, "minute": 59}
